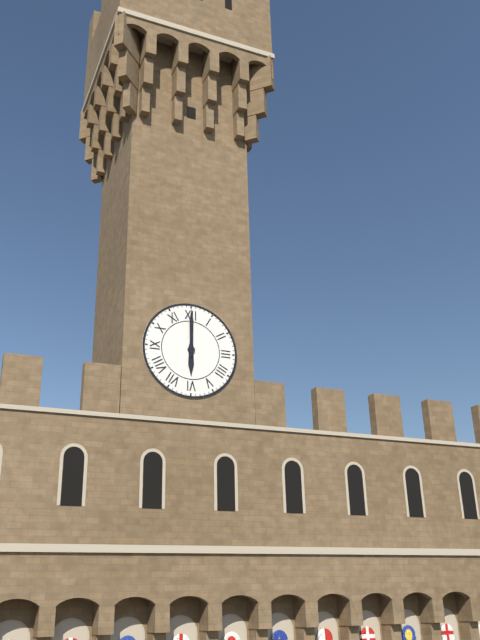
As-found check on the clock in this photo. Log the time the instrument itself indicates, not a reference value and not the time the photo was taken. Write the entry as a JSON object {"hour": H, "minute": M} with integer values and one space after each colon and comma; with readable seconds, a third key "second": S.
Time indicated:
{"hour": 6, "minute": 0}
